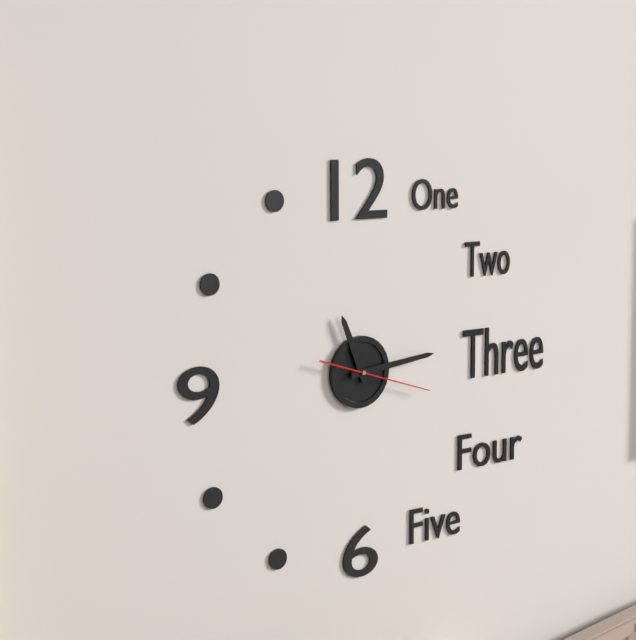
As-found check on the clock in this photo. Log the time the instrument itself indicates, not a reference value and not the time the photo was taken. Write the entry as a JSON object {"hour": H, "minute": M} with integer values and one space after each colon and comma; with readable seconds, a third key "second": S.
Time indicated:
{"hour": 11, "minute": 14, "second": 18}
